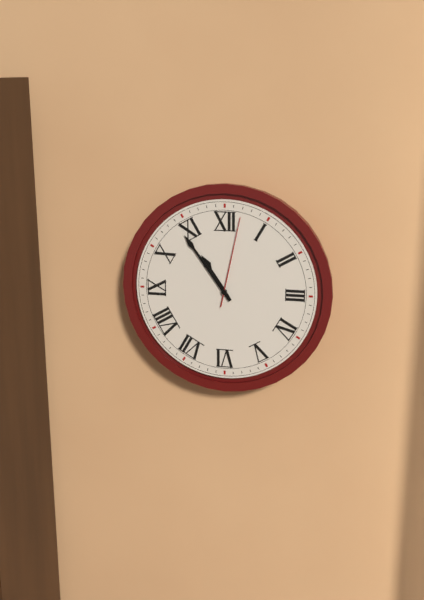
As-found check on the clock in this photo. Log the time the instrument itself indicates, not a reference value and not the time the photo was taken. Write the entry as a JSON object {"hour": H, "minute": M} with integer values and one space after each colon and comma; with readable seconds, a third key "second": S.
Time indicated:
{"hour": 10, "minute": 54, "second": 2}
